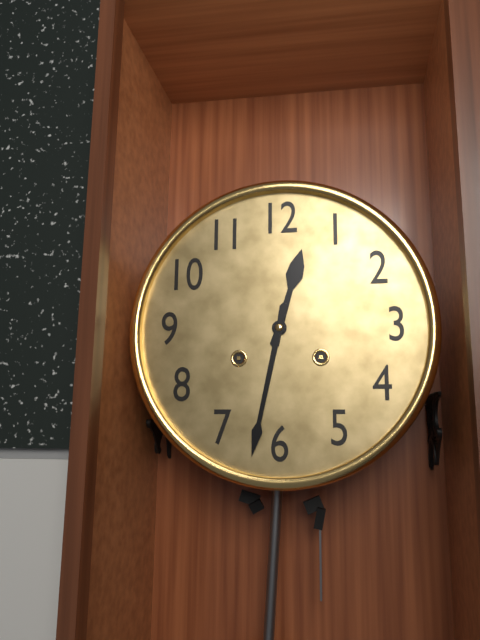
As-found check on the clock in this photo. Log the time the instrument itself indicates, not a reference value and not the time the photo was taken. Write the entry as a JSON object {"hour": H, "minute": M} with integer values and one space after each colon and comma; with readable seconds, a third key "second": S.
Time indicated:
{"hour": 12, "minute": 32}
